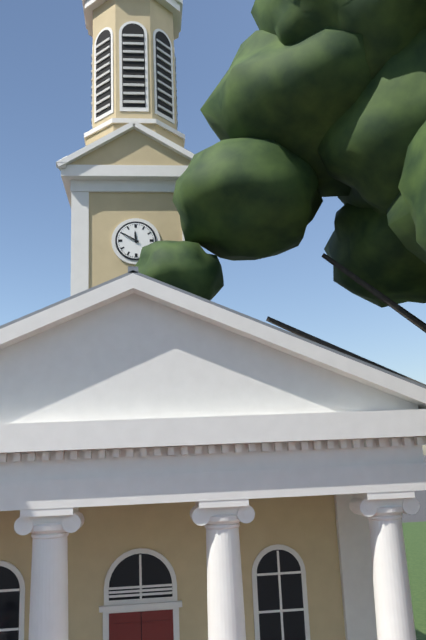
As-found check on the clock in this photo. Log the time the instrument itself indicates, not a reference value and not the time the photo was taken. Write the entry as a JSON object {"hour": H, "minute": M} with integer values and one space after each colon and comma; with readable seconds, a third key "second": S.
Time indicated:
{"hour": 11, "minute": 50}
